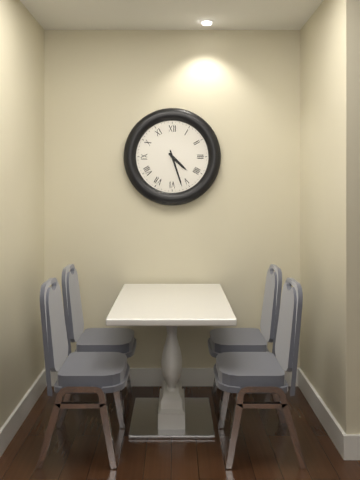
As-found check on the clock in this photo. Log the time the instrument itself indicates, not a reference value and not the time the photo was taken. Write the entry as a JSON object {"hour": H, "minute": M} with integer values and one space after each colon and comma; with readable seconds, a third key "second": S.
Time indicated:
{"hour": 4, "minute": 27}
